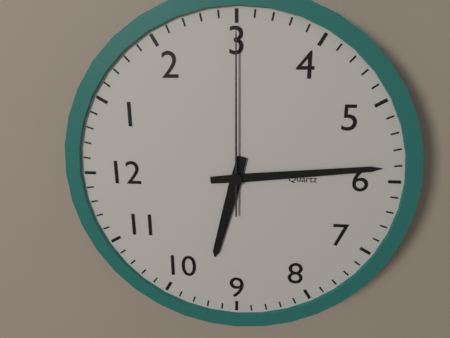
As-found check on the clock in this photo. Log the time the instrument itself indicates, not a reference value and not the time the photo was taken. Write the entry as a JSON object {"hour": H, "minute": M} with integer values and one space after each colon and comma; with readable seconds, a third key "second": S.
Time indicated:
{"hour": 9, "minute": 29, "second": 15}
